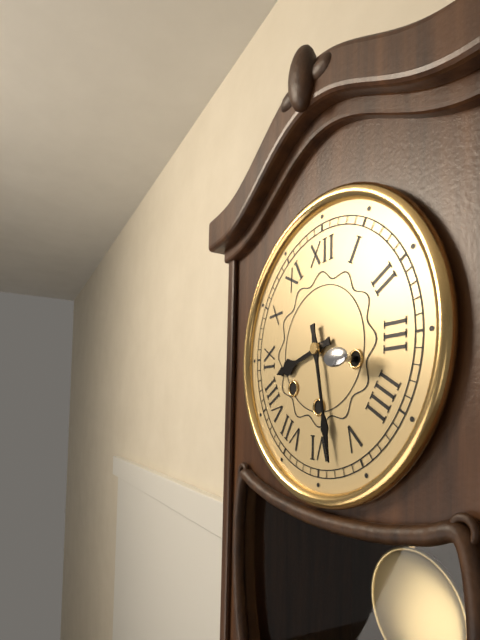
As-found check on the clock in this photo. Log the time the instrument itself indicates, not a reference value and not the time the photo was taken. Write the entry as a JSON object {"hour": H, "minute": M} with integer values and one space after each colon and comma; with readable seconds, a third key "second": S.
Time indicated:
{"hour": 8, "minute": 28}
